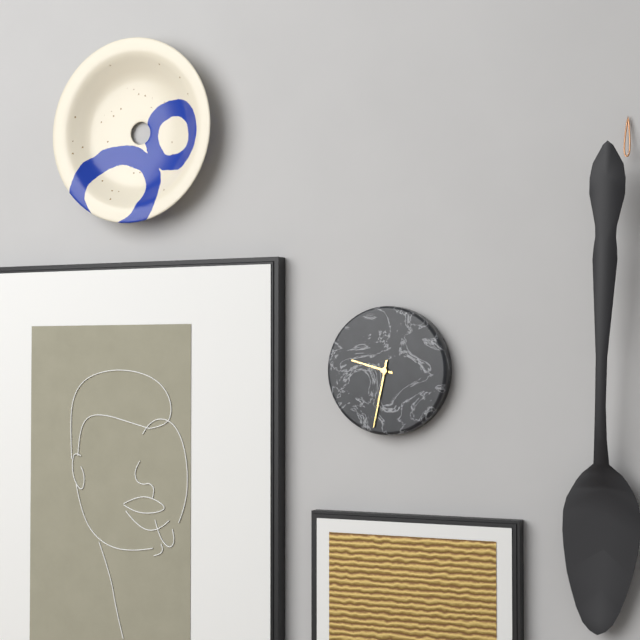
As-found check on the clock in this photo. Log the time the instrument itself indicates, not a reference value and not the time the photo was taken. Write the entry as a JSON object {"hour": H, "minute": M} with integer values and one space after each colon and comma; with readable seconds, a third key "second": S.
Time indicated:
{"hour": 9, "minute": 32}
